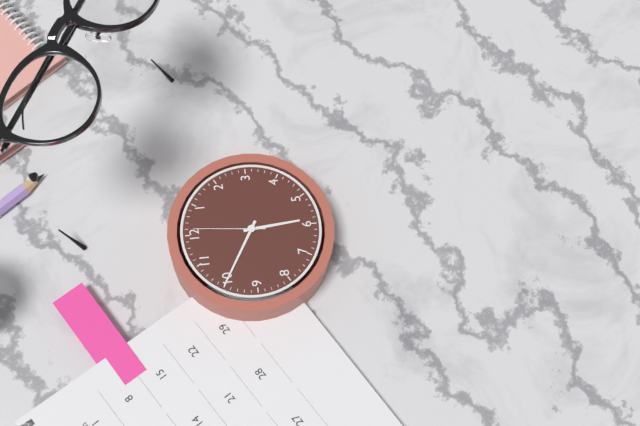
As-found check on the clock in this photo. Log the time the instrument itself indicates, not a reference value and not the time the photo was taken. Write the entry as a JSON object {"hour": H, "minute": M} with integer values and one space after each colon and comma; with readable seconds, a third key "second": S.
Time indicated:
{"hour": 5, "minute": 50, "second": 1}
